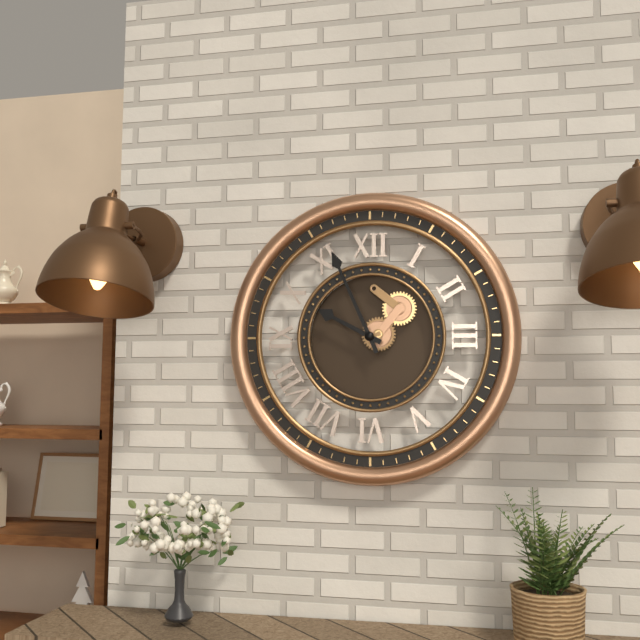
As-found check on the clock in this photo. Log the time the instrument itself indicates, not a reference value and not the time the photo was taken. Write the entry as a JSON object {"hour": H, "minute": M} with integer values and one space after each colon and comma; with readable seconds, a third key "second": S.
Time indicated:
{"hour": 9, "minute": 56}
